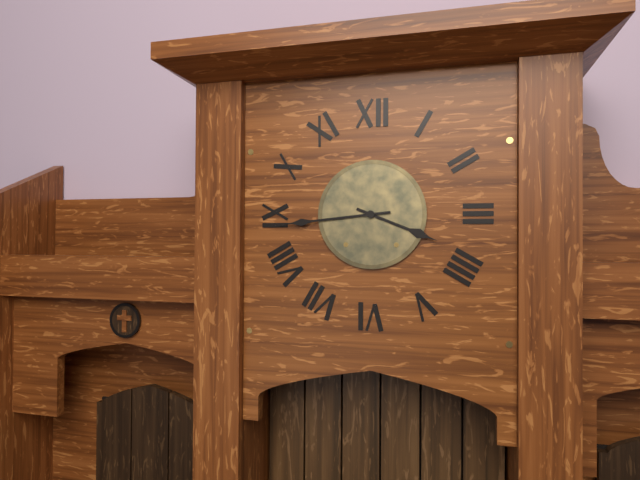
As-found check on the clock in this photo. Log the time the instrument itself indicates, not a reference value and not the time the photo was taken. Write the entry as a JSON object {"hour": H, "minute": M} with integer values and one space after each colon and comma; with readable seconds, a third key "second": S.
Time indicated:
{"hour": 3, "minute": 44}
